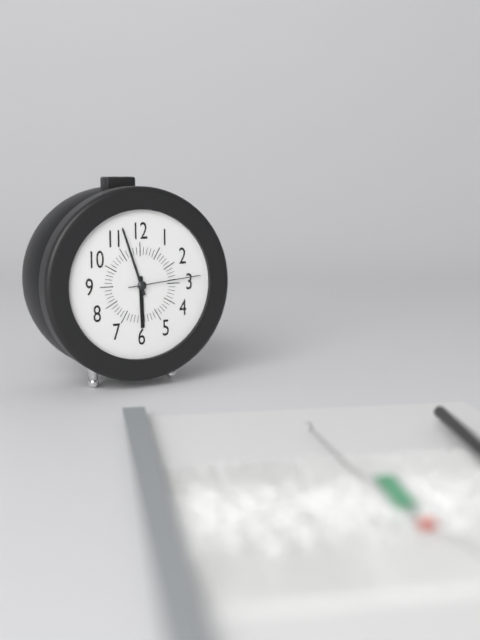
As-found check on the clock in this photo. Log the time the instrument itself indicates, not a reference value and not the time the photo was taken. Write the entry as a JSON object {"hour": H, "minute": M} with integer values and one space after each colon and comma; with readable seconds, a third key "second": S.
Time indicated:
{"hour": 5, "minute": 57, "second": 14}
